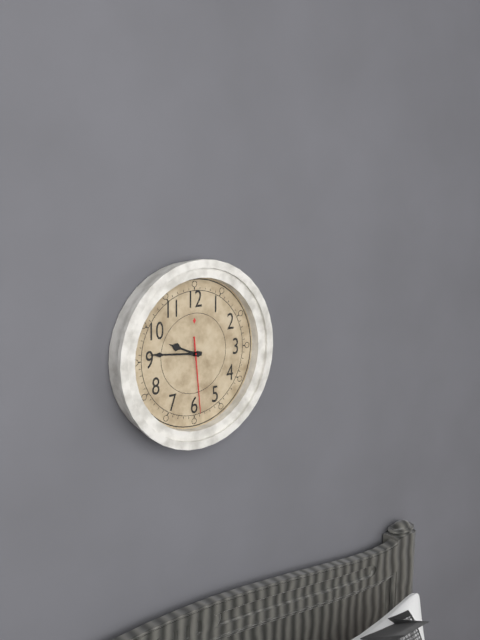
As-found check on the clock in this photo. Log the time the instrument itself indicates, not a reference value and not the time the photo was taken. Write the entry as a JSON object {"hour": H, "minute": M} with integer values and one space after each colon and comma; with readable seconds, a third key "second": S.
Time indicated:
{"hour": 9, "minute": 46, "second": 29}
